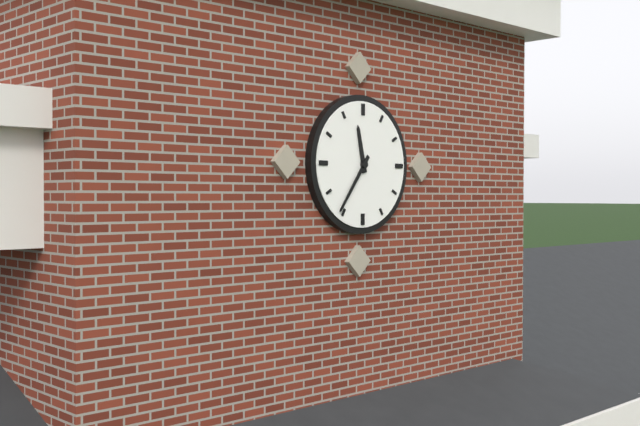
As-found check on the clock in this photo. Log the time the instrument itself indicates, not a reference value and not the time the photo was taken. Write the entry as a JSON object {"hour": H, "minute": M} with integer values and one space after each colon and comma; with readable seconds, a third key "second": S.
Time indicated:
{"hour": 11, "minute": 36}
